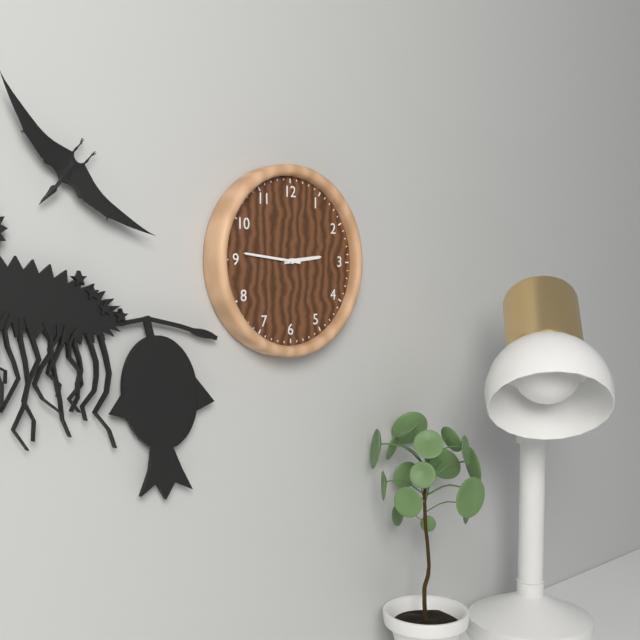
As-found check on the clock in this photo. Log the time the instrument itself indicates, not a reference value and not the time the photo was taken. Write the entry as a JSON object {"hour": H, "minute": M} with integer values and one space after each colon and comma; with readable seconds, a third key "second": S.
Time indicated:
{"hour": 2, "minute": 46}
